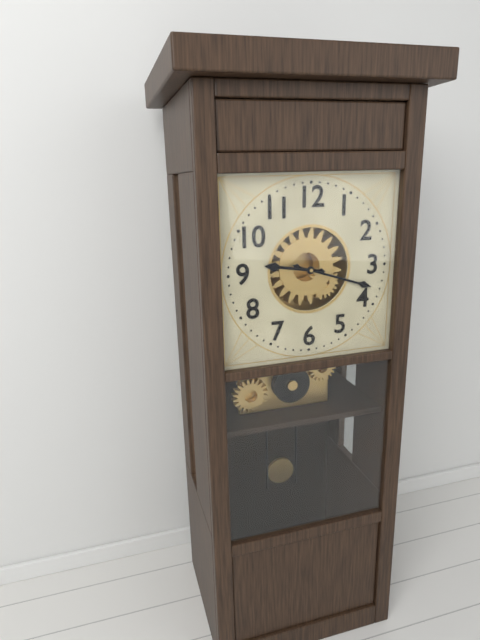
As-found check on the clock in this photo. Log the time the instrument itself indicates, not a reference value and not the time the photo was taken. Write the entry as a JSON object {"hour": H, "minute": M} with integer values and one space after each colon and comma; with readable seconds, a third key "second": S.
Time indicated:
{"hour": 9, "minute": 18}
